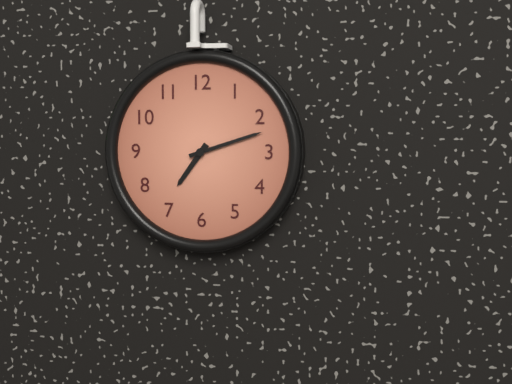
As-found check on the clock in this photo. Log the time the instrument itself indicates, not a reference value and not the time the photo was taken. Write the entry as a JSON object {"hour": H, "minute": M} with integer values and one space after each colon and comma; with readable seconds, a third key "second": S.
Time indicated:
{"hour": 7, "minute": 12}
